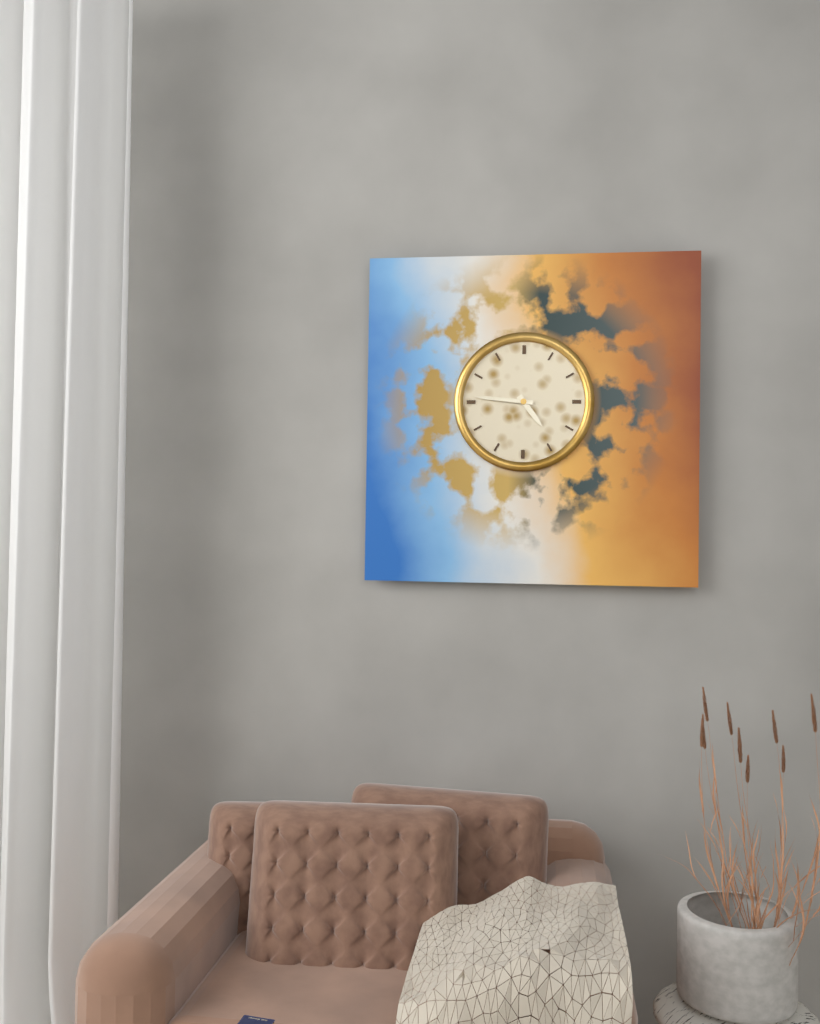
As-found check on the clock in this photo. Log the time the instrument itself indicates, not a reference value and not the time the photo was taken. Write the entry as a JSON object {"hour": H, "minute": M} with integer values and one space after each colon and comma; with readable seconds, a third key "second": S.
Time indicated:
{"hour": 4, "minute": 46}
